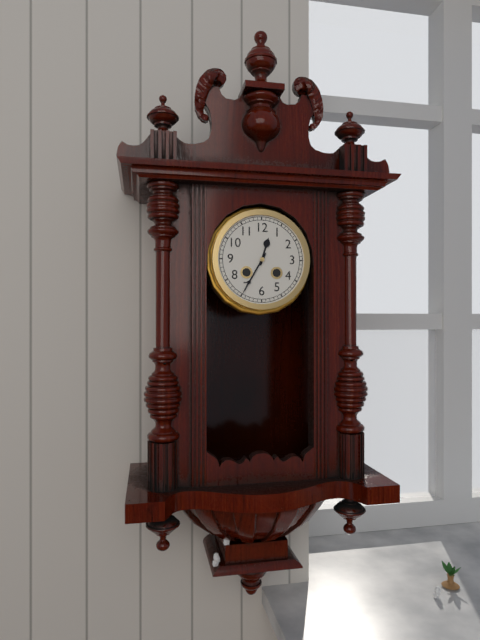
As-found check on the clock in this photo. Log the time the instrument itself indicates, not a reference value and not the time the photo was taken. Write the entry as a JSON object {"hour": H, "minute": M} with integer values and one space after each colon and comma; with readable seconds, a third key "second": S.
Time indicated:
{"hour": 12, "minute": 35}
